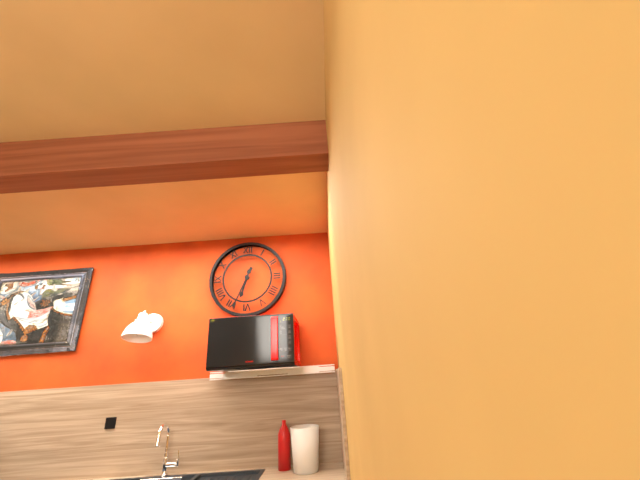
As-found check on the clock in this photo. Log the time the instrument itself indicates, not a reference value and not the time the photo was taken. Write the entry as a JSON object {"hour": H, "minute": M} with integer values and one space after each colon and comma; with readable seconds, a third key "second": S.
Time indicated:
{"hour": 6, "minute": 34}
